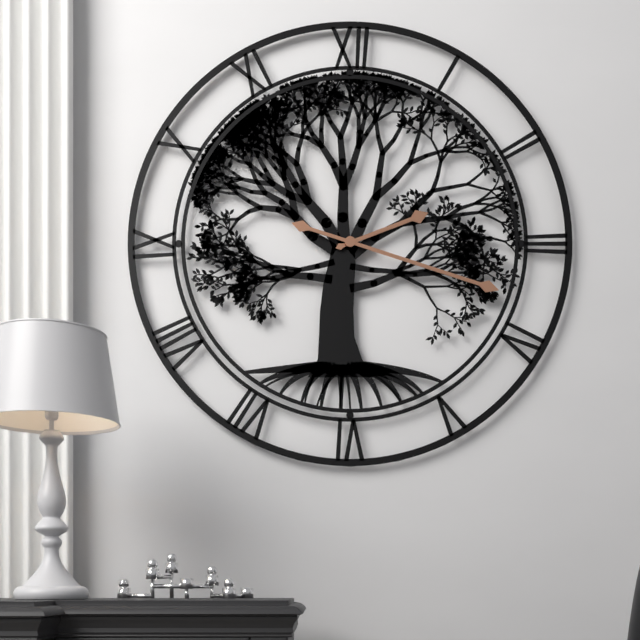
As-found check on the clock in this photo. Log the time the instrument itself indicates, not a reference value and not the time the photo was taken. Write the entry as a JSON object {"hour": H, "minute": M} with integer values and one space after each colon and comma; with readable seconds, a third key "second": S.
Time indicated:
{"hour": 2, "minute": 18}
